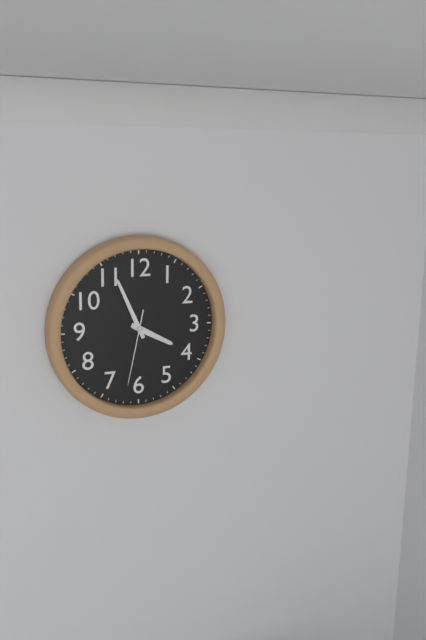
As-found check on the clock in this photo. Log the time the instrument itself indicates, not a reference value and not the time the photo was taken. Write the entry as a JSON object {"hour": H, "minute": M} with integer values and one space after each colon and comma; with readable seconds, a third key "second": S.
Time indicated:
{"hour": 3, "minute": 56, "second": 32}
